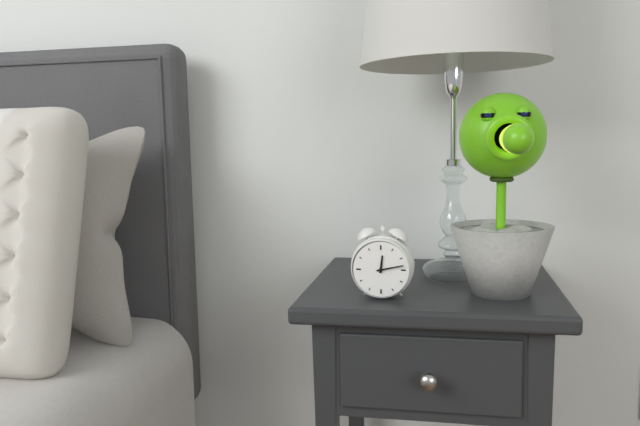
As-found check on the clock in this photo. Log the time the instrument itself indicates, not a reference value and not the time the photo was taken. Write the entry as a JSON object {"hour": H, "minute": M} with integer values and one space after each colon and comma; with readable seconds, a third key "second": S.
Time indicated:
{"hour": 12, "minute": 13}
